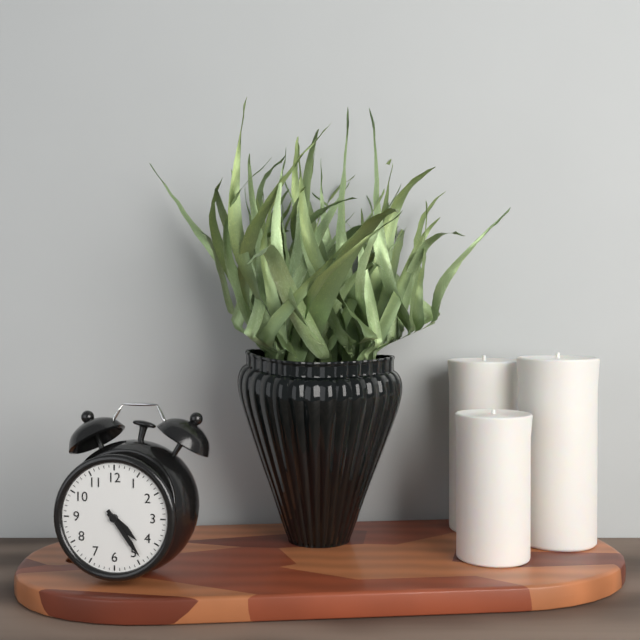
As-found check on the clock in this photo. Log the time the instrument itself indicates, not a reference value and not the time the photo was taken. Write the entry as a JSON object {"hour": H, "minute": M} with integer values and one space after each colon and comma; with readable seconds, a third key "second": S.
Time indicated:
{"hour": 4, "minute": 24}
